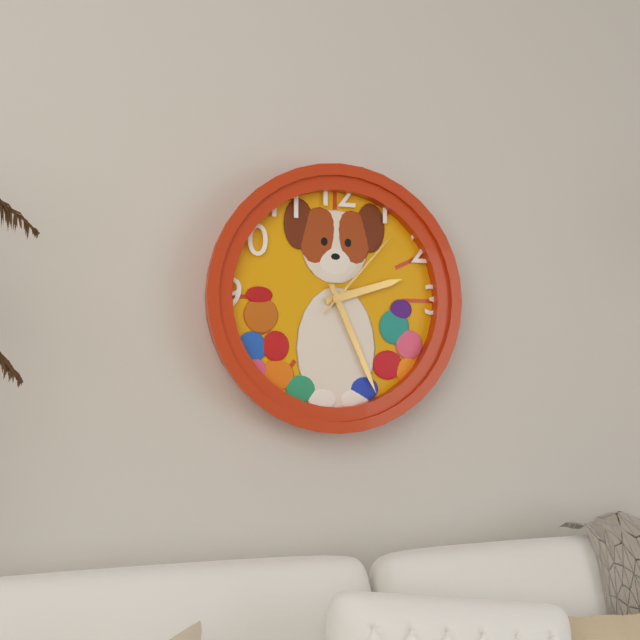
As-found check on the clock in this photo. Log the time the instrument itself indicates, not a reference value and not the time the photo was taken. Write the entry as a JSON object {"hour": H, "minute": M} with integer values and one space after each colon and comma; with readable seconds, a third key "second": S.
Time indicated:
{"hour": 2, "minute": 26, "second": 7}
